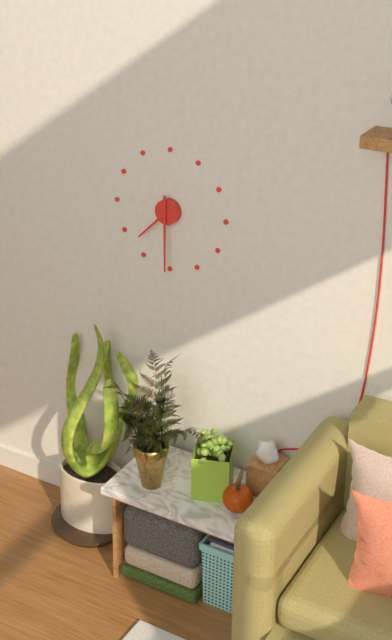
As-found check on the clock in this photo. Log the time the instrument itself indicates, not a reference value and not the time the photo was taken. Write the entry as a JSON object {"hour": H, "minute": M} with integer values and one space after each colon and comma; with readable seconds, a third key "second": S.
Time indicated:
{"hour": 7, "minute": 30}
